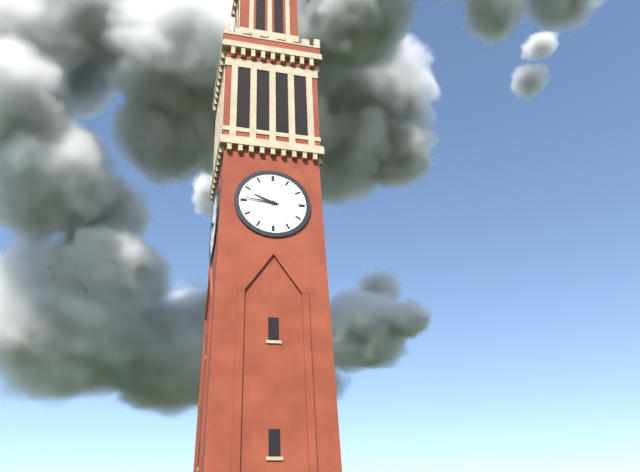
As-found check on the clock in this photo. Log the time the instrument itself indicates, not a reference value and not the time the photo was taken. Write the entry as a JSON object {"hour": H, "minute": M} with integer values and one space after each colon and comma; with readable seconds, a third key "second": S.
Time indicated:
{"hour": 9, "minute": 46}
